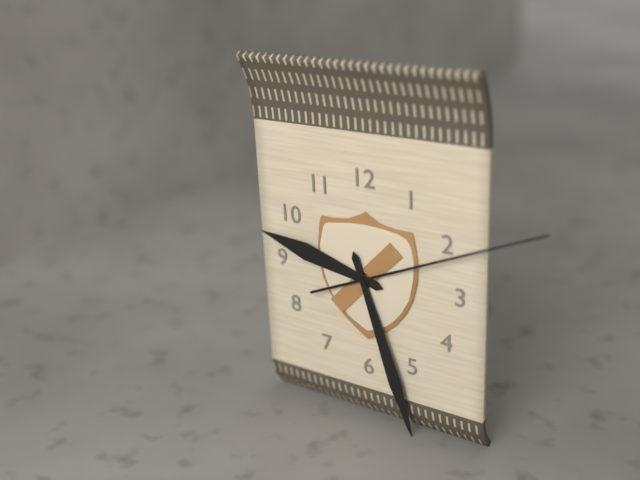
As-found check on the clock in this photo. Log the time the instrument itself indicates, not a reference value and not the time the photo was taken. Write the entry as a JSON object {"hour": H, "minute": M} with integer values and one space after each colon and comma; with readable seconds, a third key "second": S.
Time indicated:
{"hour": 9, "minute": 27, "second": 11}
